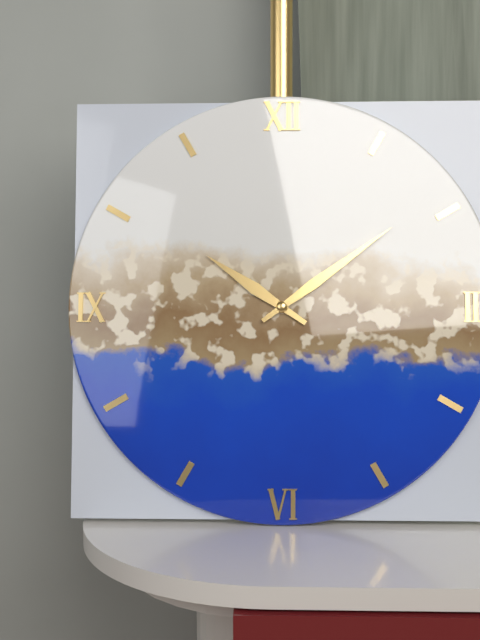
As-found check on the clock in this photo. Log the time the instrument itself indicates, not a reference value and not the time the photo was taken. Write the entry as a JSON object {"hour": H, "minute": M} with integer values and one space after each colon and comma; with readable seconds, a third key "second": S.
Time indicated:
{"hour": 10, "minute": 9}
